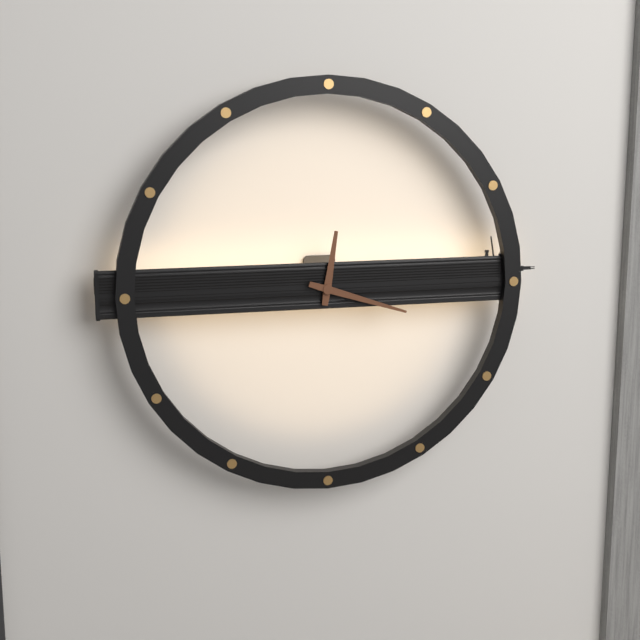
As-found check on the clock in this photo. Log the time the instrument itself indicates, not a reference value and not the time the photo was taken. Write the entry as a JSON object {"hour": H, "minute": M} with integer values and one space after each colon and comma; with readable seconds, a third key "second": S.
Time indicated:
{"hour": 12, "minute": 18}
